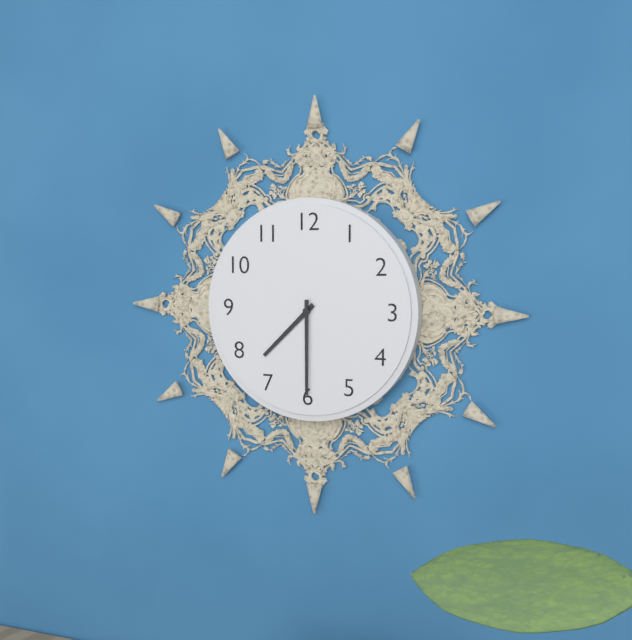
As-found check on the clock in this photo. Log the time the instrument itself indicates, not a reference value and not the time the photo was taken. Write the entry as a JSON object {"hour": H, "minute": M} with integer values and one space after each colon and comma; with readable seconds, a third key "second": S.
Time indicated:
{"hour": 7, "minute": 30}
